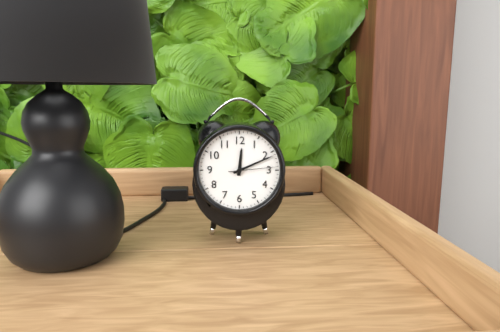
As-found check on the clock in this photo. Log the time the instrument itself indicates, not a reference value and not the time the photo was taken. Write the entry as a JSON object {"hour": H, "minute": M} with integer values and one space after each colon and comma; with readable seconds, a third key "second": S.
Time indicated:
{"hour": 12, "minute": 11}
